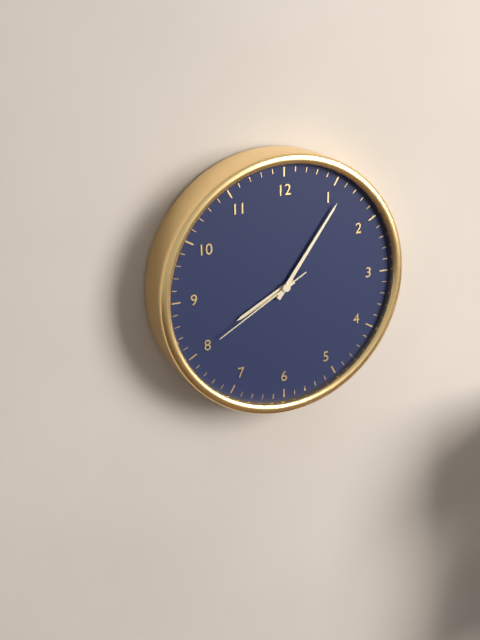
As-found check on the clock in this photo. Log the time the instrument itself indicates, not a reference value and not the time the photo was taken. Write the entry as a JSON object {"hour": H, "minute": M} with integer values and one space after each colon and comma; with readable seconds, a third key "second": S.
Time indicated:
{"hour": 8, "minute": 6, "second": 40}
